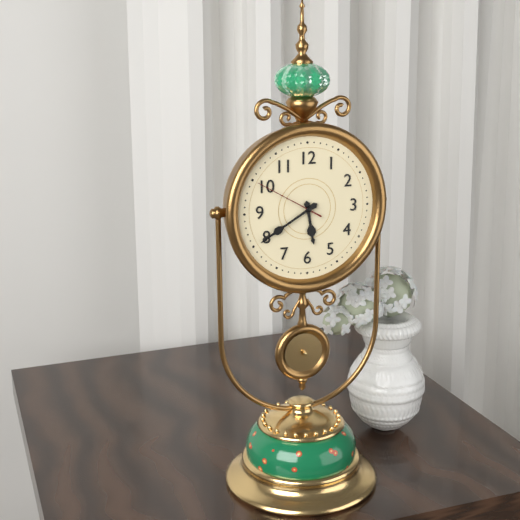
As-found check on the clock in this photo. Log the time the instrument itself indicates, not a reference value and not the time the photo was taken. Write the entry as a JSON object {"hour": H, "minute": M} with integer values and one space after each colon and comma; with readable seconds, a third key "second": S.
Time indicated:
{"hour": 5, "minute": 40, "second": 50}
